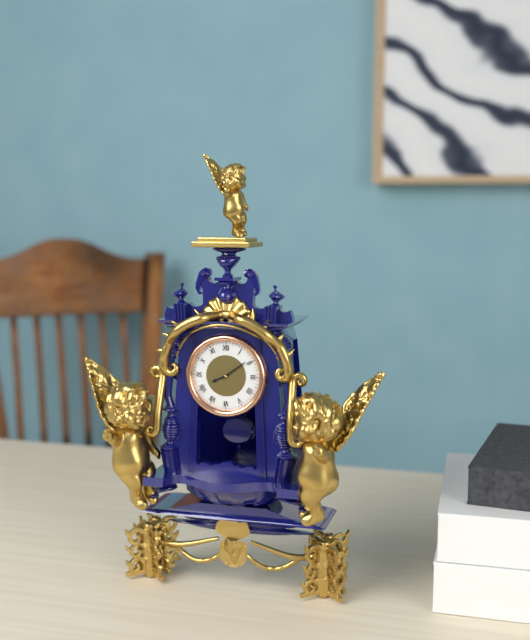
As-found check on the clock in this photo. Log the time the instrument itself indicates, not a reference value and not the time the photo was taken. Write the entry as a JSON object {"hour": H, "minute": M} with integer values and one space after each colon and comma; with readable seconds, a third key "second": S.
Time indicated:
{"hour": 8, "minute": 9}
